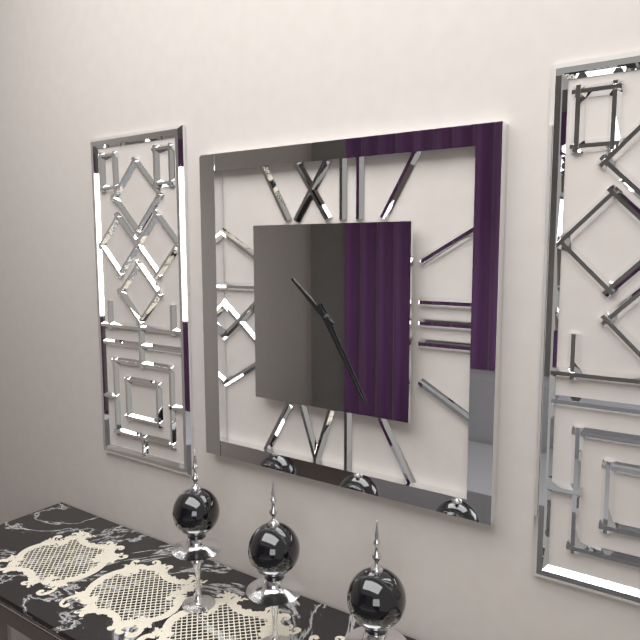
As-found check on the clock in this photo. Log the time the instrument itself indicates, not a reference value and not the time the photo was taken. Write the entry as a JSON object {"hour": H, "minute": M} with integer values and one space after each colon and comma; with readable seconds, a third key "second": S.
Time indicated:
{"hour": 10, "minute": 25}
